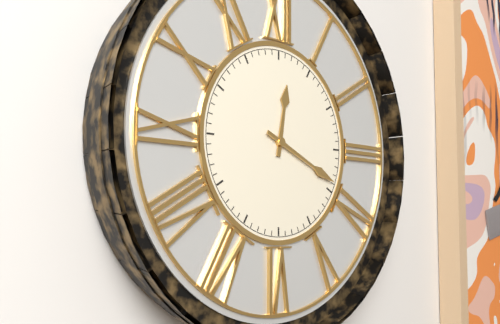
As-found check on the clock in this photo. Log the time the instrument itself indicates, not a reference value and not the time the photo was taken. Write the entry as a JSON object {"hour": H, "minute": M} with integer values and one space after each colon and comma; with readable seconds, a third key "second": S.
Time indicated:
{"hour": 12, "minute": 19}
